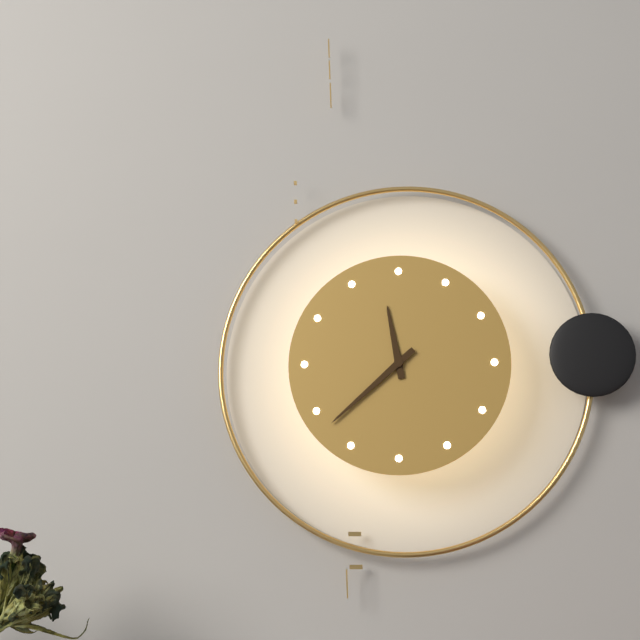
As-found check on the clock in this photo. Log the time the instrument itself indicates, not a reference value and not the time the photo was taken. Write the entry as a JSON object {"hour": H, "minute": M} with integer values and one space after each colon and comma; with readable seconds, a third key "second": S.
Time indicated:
{"hour": 11, "minute": 38}
